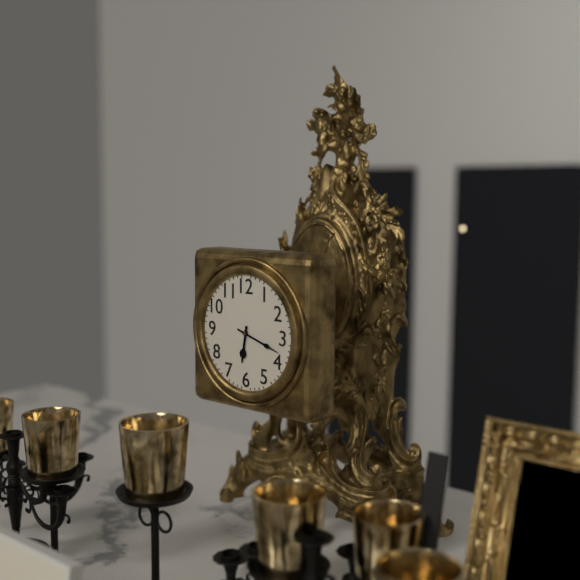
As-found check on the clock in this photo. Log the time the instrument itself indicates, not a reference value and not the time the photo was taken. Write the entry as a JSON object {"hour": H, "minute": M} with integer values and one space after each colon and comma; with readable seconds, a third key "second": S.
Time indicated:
{"hour": 6, "minute": 18}
